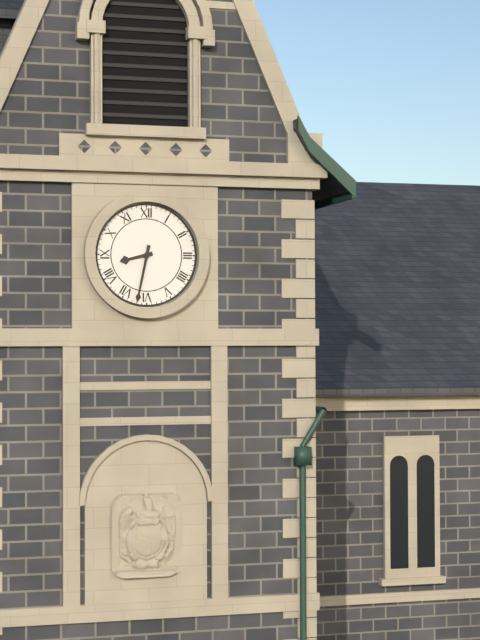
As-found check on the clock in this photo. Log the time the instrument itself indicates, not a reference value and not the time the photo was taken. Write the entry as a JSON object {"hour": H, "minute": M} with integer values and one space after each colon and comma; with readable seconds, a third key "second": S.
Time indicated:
{"hour": 8, "minute": 32}
